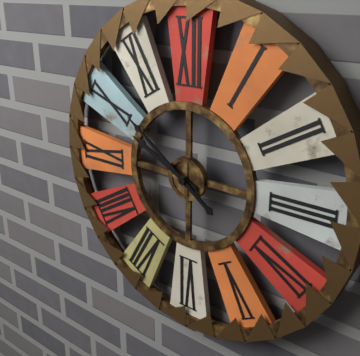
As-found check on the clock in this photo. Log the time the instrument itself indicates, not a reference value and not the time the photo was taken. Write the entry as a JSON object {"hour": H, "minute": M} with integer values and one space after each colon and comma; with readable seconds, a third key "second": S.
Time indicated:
{"hour": 9, "minute": 51}
